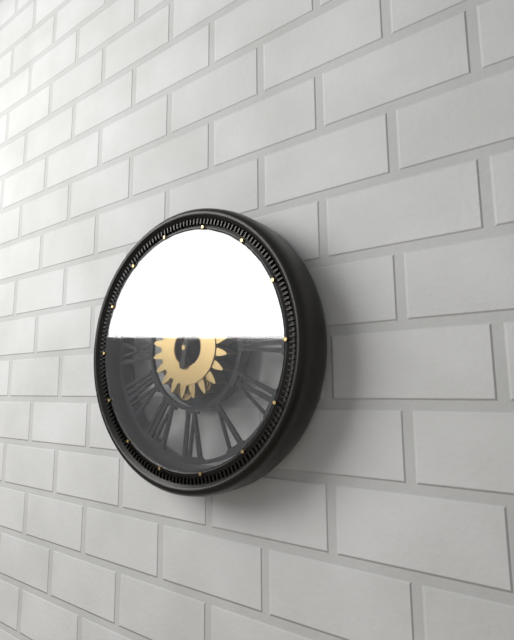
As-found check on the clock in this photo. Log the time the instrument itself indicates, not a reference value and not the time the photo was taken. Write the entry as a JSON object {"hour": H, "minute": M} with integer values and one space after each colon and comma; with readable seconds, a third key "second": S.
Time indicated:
{"hour": 12, "minute": 2}
